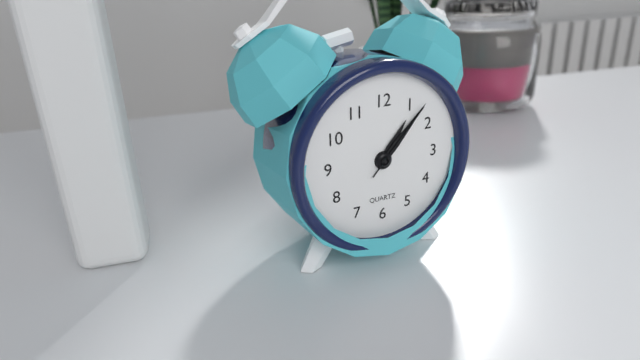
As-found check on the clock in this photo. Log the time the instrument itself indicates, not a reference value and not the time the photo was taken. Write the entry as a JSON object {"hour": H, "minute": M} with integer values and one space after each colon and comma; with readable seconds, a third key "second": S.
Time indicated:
{"hour": 1, "minute": 7, "second": 7}
